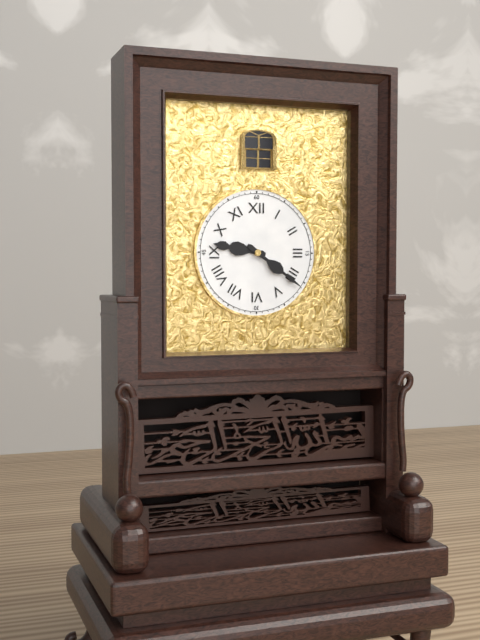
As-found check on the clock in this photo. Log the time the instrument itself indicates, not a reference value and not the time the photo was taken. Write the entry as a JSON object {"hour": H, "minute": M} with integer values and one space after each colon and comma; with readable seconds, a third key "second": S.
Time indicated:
{"hour": 9, "minute": 21}
